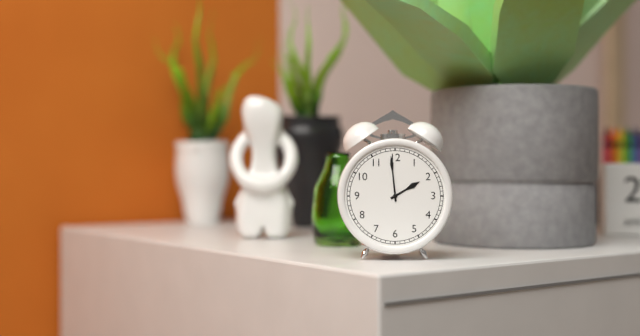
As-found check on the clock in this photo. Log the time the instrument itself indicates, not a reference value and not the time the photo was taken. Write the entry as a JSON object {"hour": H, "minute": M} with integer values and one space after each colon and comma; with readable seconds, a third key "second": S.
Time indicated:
{"hour": 1, "minute": 59}
